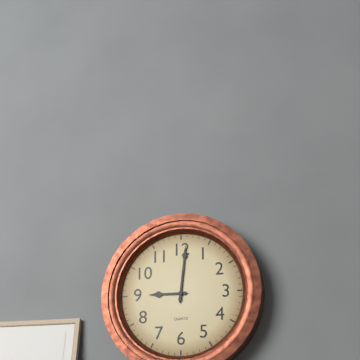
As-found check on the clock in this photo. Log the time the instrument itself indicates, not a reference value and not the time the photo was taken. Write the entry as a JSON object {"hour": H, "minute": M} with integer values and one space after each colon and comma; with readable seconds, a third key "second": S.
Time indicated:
{"hour": 9, "minute": 1}
